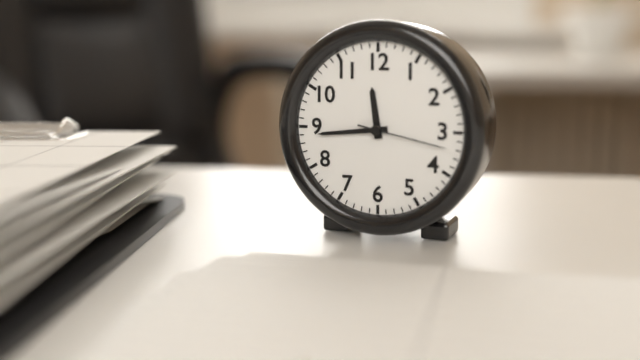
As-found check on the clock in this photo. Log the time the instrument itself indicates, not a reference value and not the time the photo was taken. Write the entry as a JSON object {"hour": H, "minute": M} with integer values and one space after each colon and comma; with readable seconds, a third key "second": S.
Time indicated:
{"hour": 11, "minute": 44, "second": 17}
